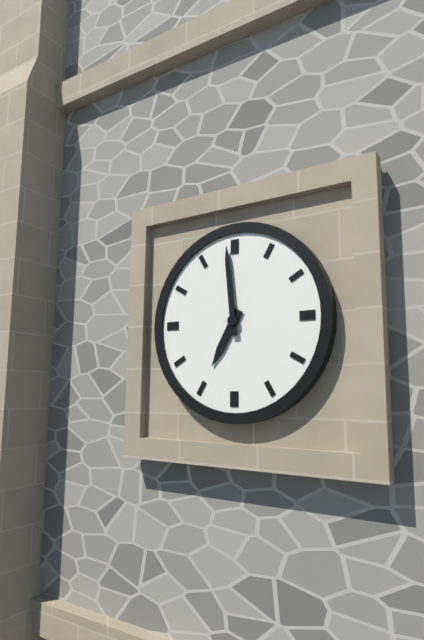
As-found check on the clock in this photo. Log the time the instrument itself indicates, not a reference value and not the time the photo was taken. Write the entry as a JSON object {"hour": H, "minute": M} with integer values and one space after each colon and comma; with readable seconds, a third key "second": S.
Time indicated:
{"hour": 6, "minute": 59}
